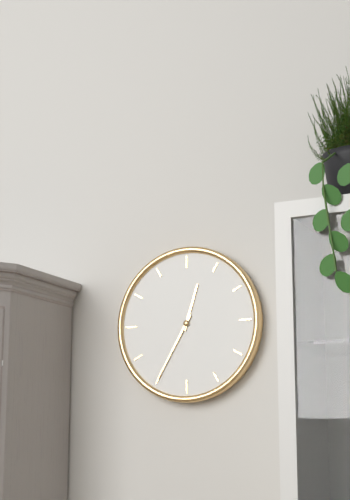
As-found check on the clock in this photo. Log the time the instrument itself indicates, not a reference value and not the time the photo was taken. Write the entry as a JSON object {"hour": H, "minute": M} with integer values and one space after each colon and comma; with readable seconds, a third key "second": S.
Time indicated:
{"hour": 12, "minute": 35}
